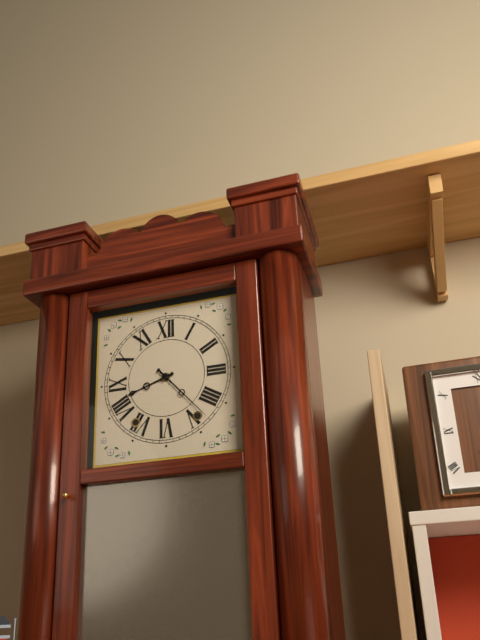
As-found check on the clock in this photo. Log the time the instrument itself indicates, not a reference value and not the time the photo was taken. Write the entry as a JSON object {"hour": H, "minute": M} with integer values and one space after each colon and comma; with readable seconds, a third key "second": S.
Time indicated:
{"hour": 8, "minute": 23}
